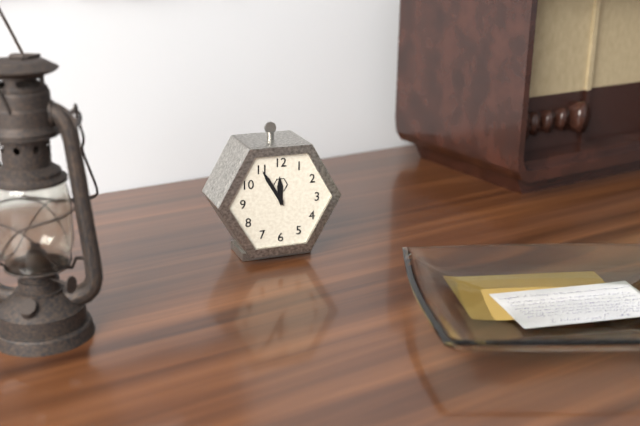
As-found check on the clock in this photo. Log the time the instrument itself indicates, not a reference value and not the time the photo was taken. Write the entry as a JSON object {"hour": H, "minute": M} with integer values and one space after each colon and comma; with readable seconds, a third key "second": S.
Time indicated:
{"hour": 11, "minute": 55}
